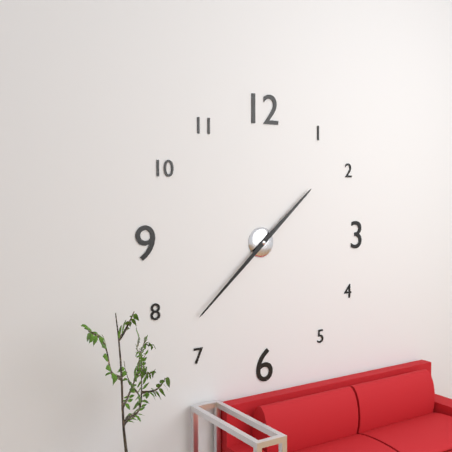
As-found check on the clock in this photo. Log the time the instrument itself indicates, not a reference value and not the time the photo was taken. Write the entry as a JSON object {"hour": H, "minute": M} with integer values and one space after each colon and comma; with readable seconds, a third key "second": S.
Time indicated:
{"hour": 1, "minute": 38}
